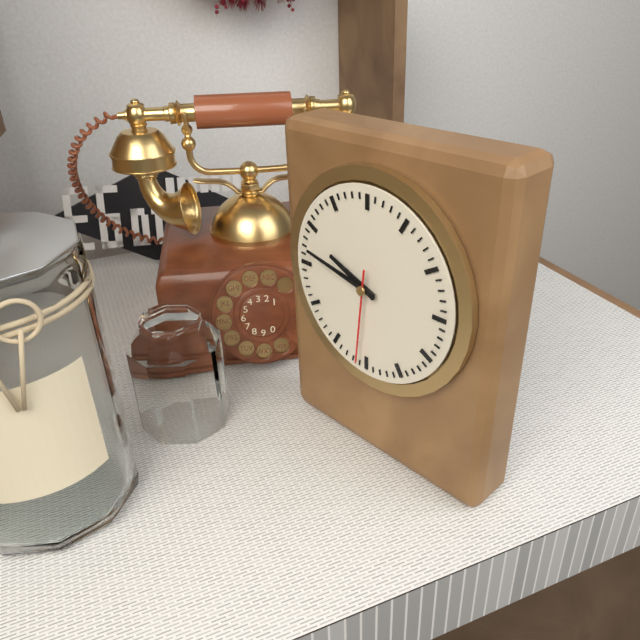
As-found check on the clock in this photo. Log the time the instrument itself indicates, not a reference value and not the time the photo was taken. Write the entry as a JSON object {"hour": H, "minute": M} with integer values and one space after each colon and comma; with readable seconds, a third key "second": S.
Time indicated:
{"hour": 9, "minute": 47, "second": 31}
